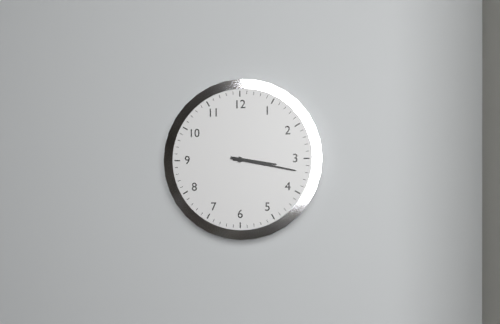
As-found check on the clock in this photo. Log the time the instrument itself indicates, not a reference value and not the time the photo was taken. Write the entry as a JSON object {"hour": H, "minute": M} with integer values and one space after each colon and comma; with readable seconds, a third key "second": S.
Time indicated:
{"hour": 3, "minute": 17}
